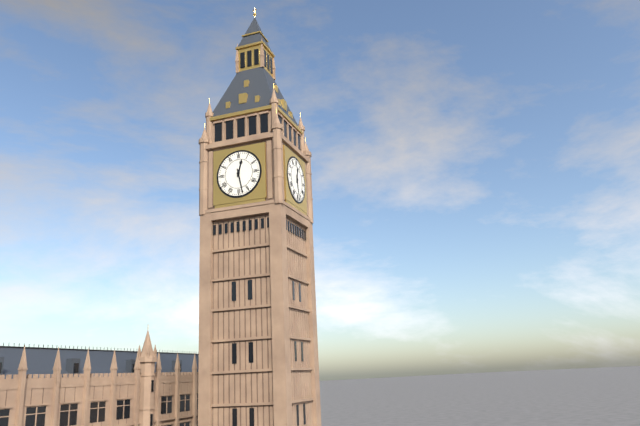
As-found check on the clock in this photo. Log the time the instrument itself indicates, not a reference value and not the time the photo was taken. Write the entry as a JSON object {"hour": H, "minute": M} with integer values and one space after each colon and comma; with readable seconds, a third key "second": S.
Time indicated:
{"hour": 12, "minute": 28}
